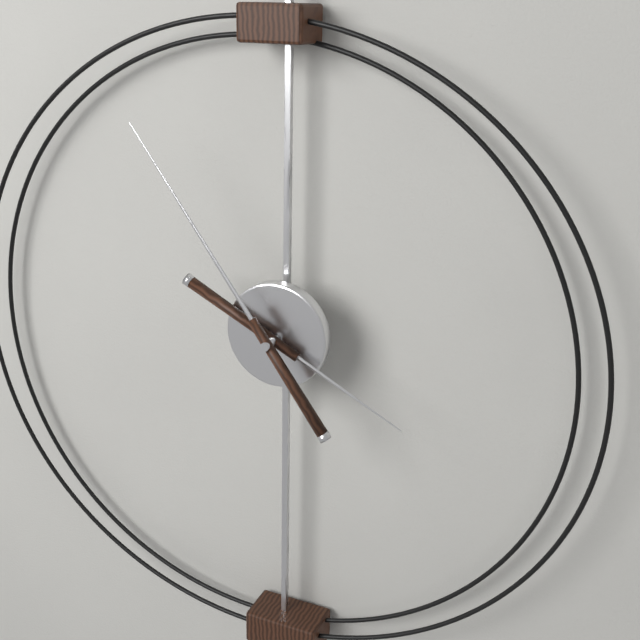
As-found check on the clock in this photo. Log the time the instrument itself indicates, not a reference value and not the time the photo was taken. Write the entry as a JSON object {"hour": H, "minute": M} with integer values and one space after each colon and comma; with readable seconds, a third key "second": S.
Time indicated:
{"hour": 3, "minute": 54}
